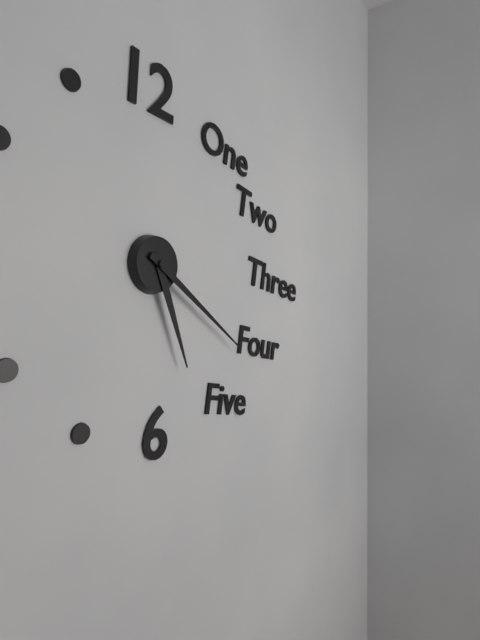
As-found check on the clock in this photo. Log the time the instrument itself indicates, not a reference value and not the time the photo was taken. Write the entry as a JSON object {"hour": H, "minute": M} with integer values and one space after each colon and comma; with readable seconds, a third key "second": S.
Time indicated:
{"hour": 5, "minute": 21}
